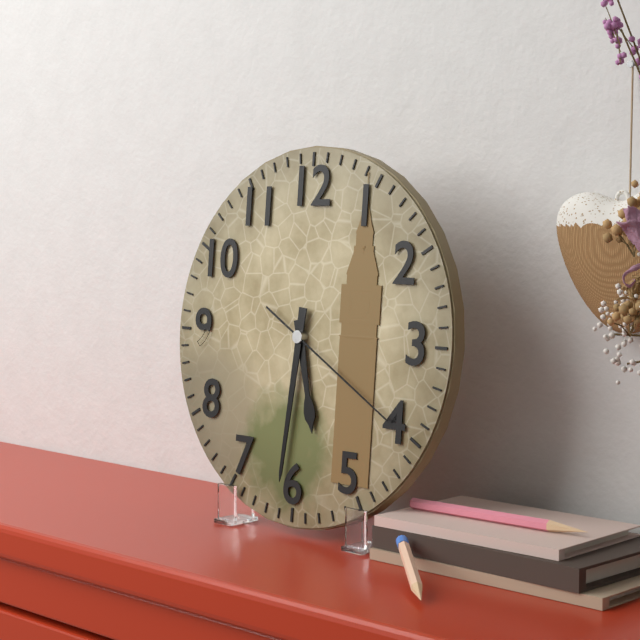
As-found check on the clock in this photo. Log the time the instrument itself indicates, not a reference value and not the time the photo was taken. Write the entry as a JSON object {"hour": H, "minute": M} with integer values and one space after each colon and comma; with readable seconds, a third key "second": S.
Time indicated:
{"hour": 5, "minute": 31, "second": 20}
